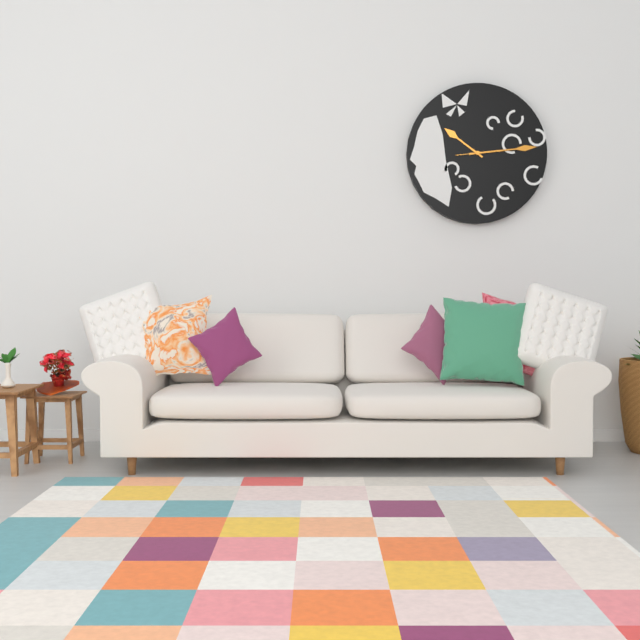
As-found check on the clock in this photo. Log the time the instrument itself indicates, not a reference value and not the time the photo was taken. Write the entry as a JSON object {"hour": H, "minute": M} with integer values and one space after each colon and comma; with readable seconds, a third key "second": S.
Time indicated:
{"hour": 10, "minute": 14, "second": 14}
